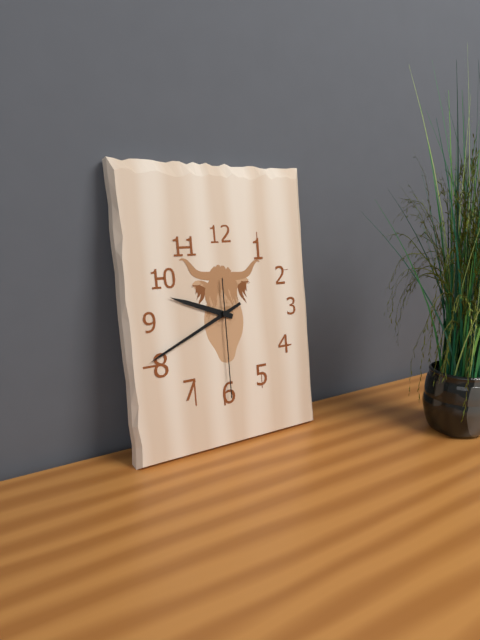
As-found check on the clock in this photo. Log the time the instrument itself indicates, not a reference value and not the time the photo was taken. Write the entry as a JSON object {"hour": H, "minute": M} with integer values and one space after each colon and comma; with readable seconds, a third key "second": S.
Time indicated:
{"hour": 9, "minute": 41, "second": 30}
